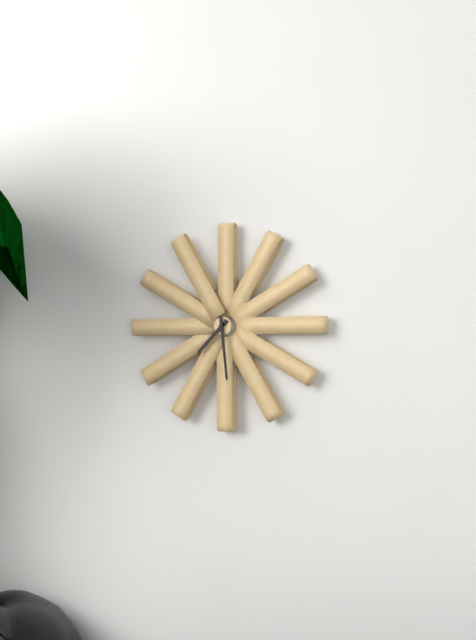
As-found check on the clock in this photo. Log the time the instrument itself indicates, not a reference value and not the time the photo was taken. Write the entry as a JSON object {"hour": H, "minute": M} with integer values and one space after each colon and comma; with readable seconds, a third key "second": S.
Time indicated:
{"hour": 7, "minute": 29}
